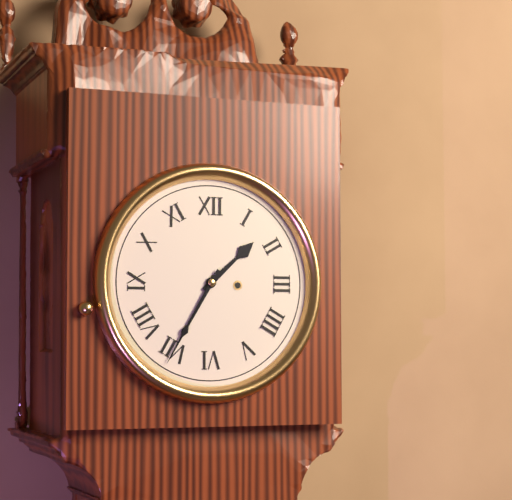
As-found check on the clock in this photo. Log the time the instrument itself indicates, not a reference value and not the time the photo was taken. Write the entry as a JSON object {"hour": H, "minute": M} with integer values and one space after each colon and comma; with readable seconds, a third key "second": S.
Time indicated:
{"hour": 1, "minute": 35}
